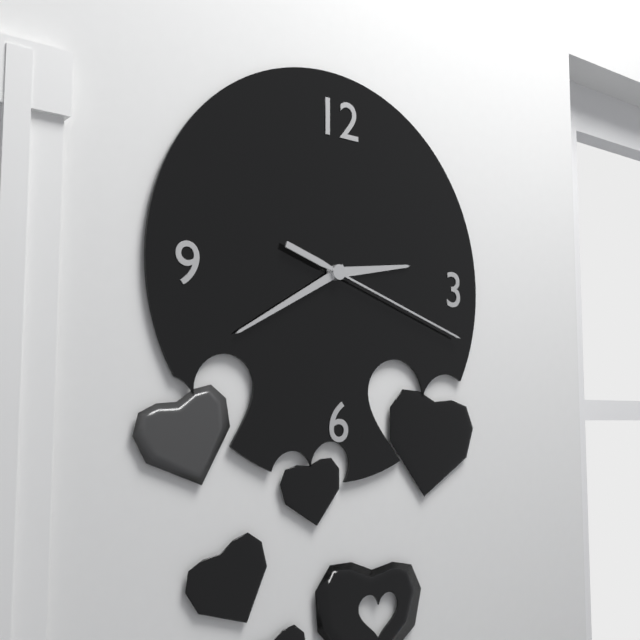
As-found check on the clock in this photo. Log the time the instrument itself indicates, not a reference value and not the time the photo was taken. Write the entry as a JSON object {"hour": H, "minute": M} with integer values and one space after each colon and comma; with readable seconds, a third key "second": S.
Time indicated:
{"hour": 2, "minute": 40, "second": 18}
